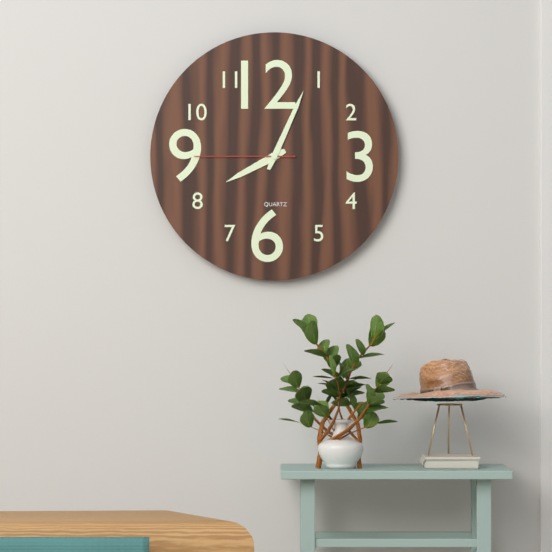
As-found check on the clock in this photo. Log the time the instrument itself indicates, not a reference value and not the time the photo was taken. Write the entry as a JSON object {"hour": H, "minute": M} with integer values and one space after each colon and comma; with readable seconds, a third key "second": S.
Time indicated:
{"hour": 8, "minute": 4, "second": 45}
